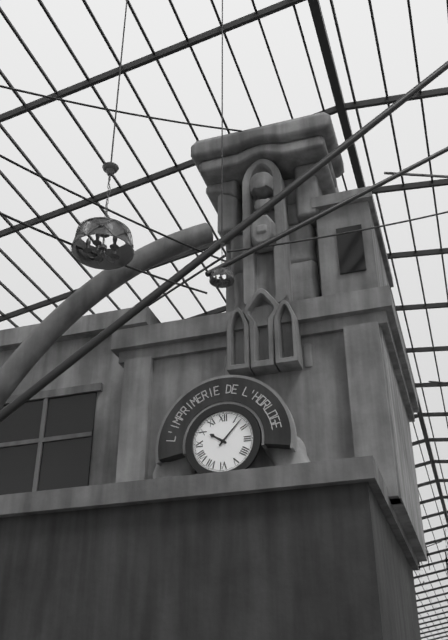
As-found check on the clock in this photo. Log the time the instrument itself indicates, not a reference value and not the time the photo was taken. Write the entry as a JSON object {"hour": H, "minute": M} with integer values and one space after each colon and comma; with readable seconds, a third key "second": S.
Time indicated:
{"hour": 10, "minute": 7}
